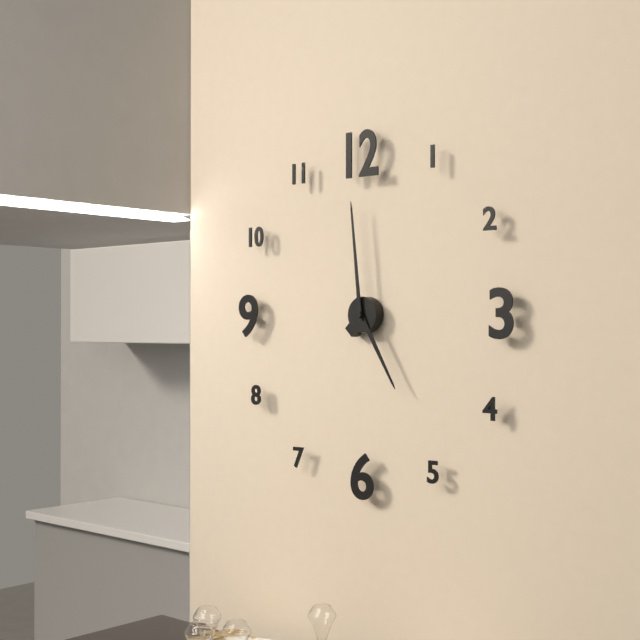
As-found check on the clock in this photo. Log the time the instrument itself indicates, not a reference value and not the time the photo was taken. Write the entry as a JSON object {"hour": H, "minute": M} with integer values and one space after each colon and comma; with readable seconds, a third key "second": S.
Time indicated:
{"hour": 4, "minute": 59}
